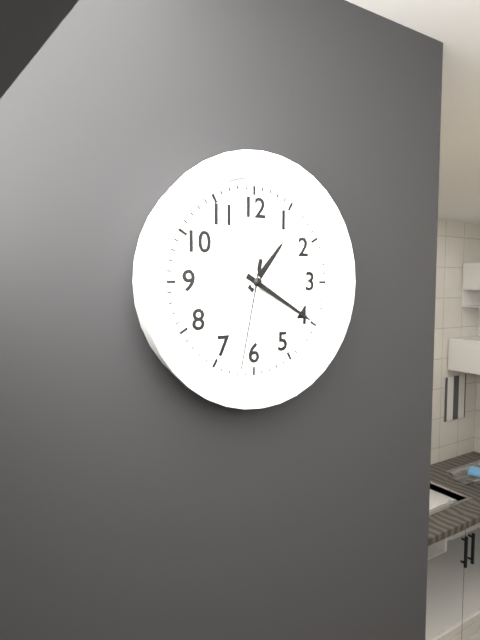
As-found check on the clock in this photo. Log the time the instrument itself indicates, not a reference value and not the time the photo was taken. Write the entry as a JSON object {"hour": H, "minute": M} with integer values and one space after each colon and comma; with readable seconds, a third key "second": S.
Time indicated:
{"hour": 1, "minute": 20, "second": 32}
